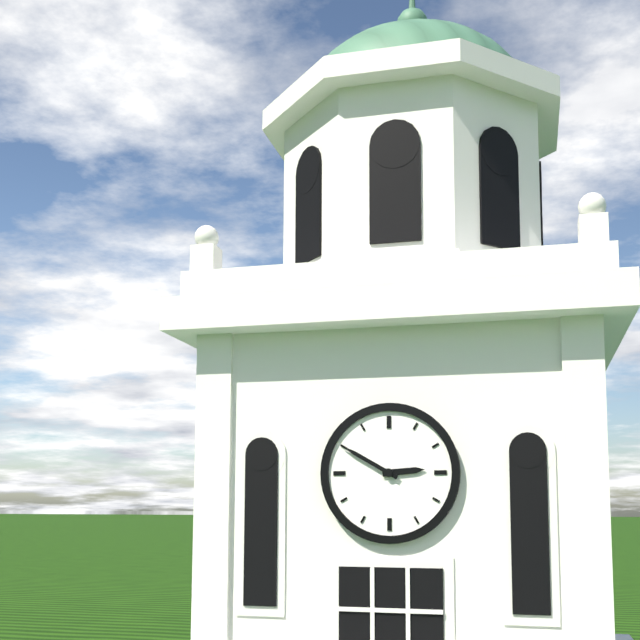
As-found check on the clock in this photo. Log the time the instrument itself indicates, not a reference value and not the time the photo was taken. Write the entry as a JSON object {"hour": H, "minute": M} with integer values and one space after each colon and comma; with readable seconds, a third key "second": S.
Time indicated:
{"hour": 2, "minute": 50}
